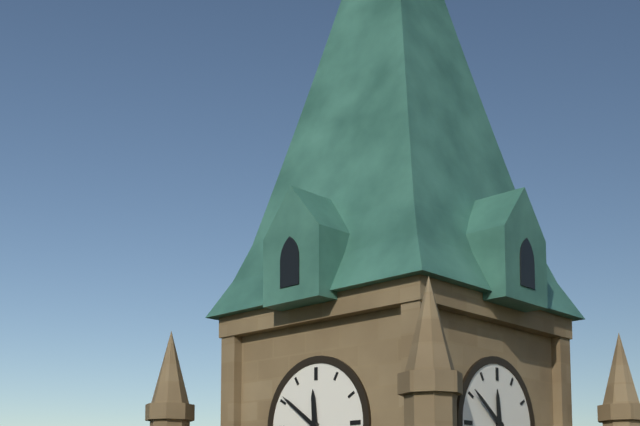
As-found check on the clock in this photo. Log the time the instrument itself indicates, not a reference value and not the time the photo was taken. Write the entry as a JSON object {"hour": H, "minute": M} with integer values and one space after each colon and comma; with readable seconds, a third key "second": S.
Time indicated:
{"hour": 11, "minute": 51}
